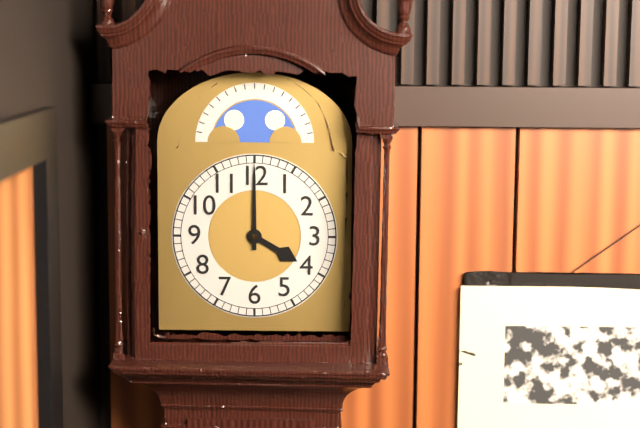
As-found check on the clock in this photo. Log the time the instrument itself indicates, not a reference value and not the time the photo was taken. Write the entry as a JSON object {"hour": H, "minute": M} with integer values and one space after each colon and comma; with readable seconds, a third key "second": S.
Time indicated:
{"hour": 4, "minute": 0}
